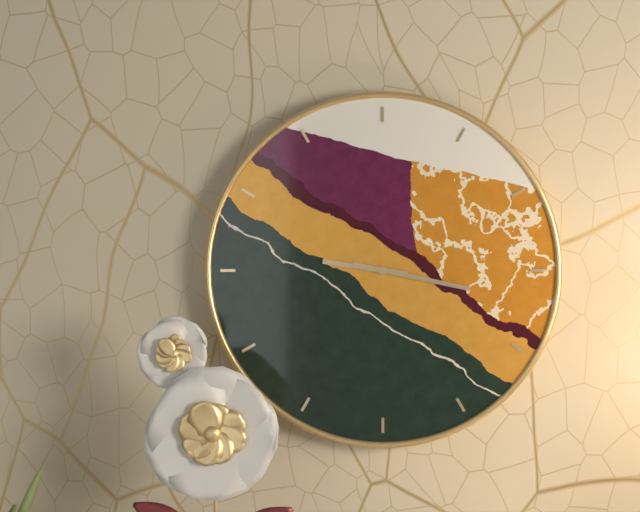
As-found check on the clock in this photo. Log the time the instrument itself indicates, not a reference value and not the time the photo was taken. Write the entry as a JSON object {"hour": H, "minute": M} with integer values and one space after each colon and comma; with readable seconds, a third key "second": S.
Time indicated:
{"hour": 9, "minute": 17}
